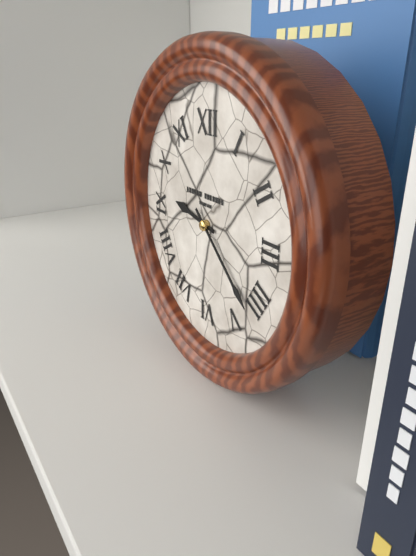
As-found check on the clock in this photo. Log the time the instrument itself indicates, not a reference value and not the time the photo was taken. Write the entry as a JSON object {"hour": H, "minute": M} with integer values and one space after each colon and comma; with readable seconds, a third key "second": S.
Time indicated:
{"hour": 9, "minute": 22}
